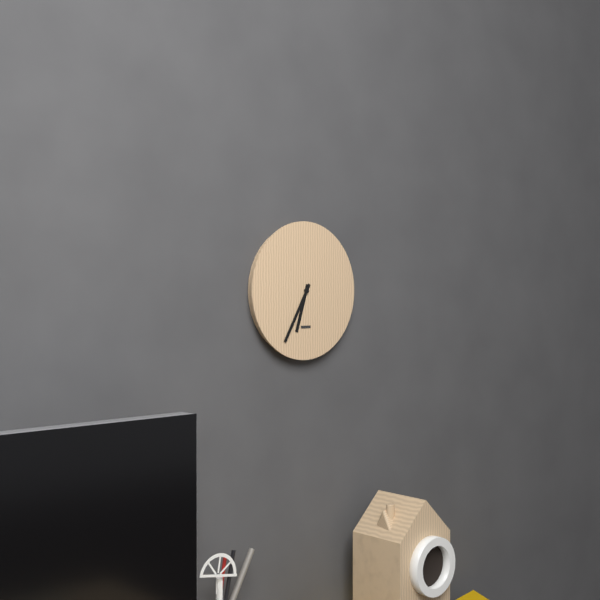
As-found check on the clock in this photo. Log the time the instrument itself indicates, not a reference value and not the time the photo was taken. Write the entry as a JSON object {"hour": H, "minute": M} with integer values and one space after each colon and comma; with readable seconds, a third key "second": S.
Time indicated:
{"hour": 6, "minute": 35}
